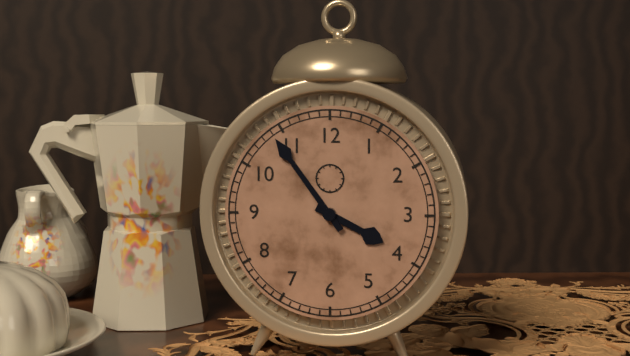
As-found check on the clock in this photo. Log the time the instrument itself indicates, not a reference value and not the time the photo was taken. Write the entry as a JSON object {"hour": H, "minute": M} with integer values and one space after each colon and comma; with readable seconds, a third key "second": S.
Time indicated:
{"hour": 3, "minute": 54}
